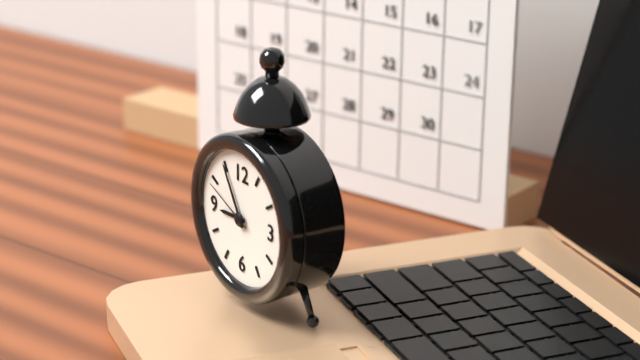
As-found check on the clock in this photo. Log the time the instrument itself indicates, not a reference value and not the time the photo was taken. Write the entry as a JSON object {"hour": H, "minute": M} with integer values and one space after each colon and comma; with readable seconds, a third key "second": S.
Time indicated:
{"hour": 8, "minute": 55, "second": 49}
